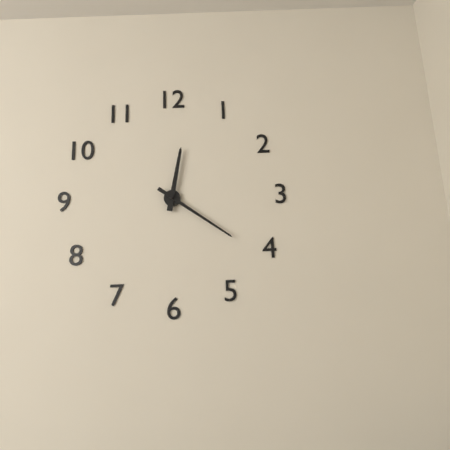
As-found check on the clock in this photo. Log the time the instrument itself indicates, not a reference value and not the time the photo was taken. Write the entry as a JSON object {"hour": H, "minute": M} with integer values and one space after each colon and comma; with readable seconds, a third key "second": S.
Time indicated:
{"hour": 12, "minute": 21}
